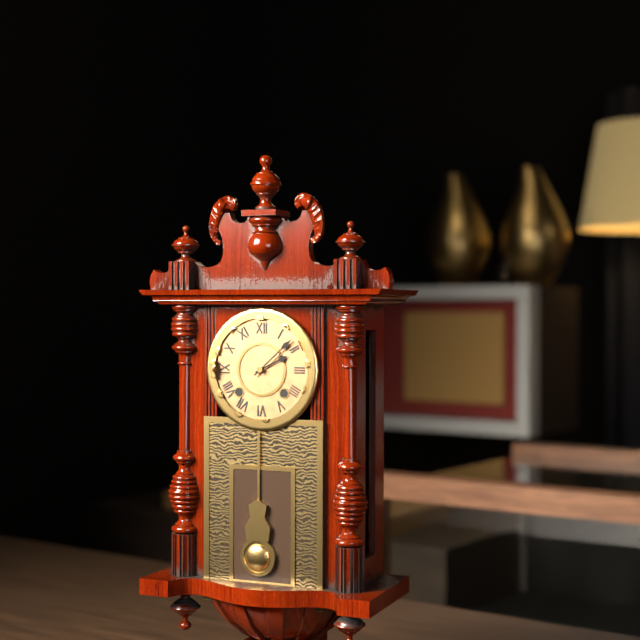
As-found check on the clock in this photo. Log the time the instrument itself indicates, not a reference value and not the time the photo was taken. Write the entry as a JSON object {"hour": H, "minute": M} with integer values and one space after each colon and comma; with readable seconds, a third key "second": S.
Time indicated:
{"hour": 2, "minute": 8}
